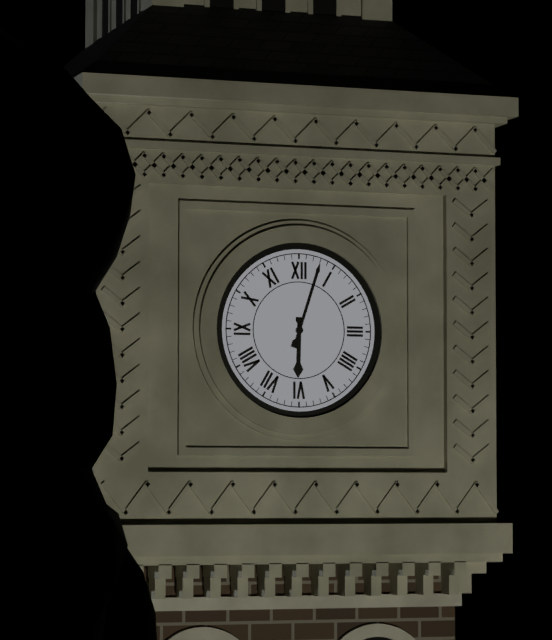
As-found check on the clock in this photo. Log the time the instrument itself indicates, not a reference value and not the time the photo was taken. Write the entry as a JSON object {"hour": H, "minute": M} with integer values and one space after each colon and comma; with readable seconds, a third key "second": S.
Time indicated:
{"hour": 6, "minute": 3}
